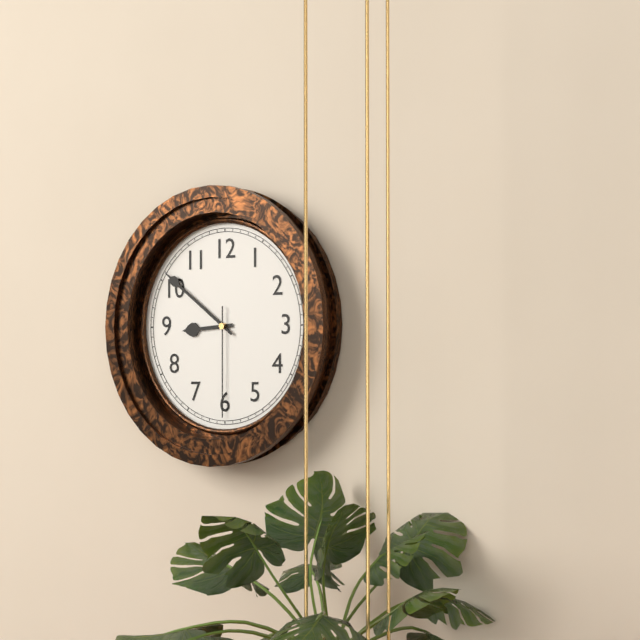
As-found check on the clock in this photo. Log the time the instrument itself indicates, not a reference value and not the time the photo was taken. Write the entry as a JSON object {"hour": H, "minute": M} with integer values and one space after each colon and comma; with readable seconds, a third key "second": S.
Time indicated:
{"hour": 8, "minute": 51, "second": 30}
